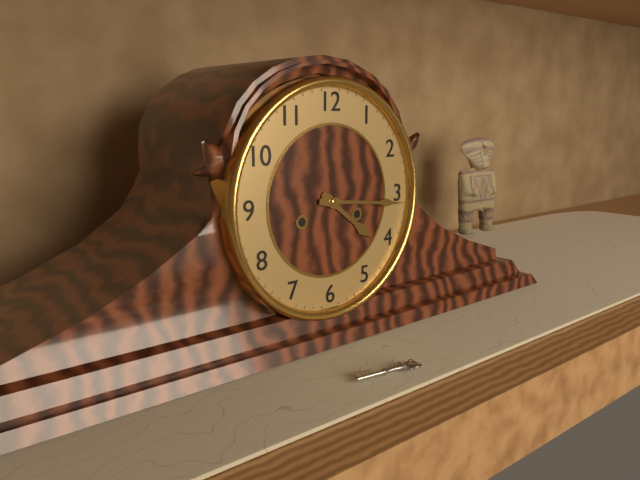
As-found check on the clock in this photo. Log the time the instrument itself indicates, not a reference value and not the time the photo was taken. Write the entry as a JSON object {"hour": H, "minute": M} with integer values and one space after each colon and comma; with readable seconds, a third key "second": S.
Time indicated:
{"hour": 4, "minute": 16}
